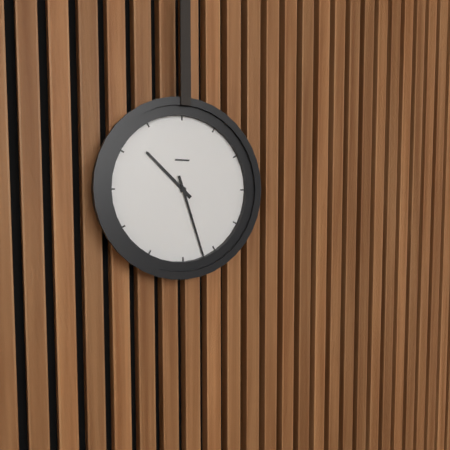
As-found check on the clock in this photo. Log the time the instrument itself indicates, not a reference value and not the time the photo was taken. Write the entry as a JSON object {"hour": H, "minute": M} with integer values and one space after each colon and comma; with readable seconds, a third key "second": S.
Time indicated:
{"hour": 10, "minute": 27}
